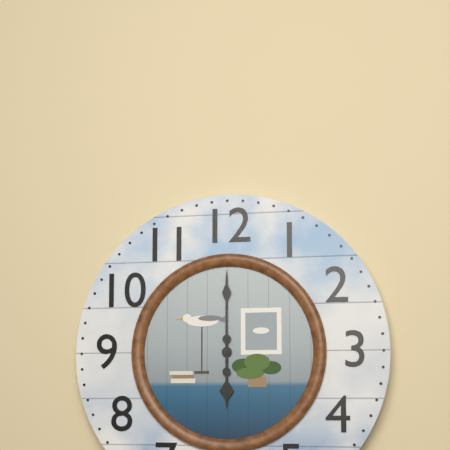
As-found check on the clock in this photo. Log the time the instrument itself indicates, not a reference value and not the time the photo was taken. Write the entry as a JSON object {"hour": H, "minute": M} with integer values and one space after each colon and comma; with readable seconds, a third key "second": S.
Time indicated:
{"hour": 6, "minute": 0}
